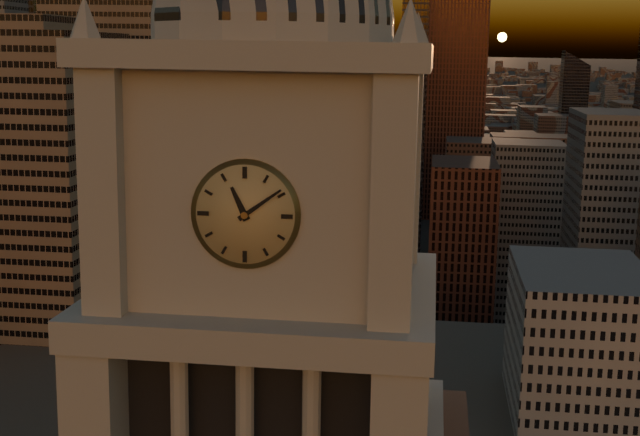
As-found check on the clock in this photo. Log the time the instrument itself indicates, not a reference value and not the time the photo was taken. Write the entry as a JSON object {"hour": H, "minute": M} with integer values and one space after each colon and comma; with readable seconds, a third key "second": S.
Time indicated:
{"hour": 11, "minute": 9}
